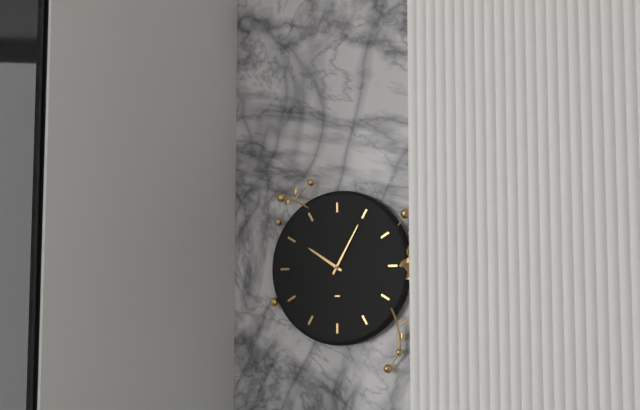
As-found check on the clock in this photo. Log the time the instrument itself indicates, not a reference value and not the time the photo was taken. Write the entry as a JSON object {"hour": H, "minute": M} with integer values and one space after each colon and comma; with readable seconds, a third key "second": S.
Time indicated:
{"hour": 10, "minute": 5}
